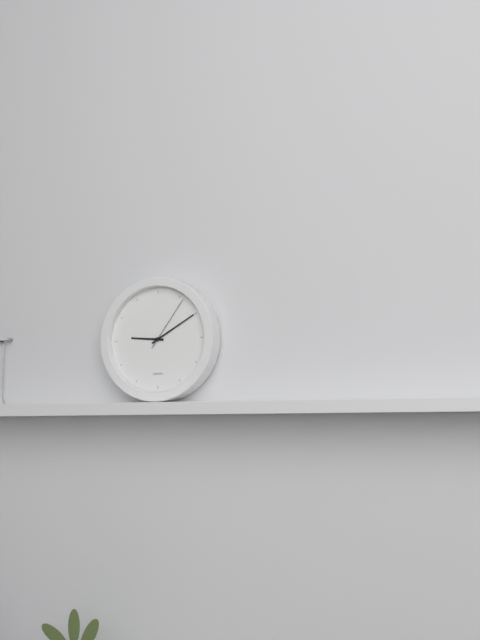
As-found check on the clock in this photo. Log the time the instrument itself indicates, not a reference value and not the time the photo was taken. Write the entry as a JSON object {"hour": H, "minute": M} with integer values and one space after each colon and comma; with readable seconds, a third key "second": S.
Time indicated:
{"hour": 9, "minute": 10, "second": 6}
